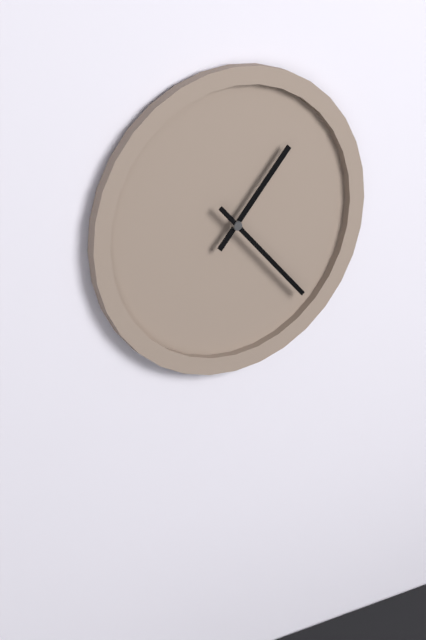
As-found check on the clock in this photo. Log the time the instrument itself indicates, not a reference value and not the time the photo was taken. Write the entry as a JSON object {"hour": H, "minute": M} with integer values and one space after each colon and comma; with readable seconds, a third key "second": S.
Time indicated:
{"hour": 1, "minute": 23}
